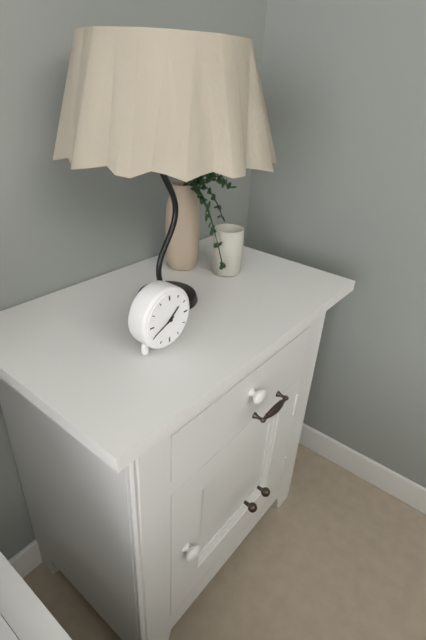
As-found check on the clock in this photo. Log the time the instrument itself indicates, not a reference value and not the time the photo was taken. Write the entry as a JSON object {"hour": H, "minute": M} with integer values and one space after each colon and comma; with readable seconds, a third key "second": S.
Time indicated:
{"hour": 1, "minute": 41}
